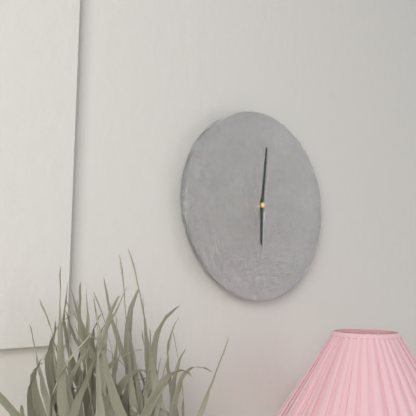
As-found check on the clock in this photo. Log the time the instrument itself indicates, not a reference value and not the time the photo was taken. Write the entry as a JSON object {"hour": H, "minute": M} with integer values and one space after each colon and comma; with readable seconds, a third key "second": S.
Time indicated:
{"hour": 6, "minute": 1}
